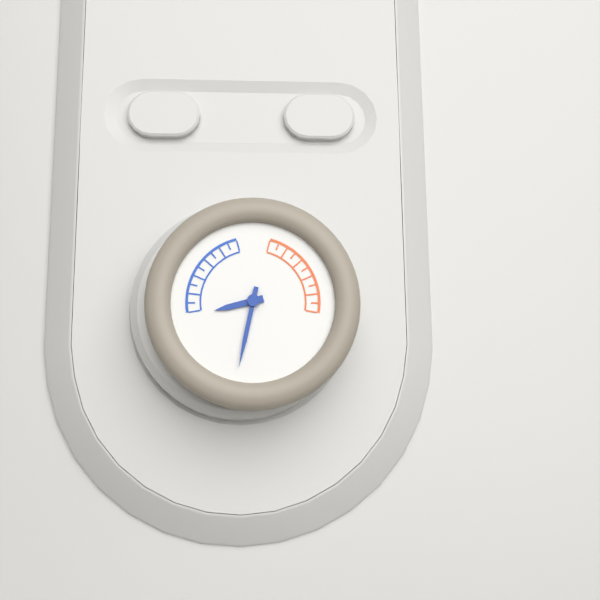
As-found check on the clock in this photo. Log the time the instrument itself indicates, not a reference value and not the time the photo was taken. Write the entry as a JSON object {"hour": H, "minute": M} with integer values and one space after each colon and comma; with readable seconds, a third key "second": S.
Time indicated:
{"hour": 8, "minute": 32}
